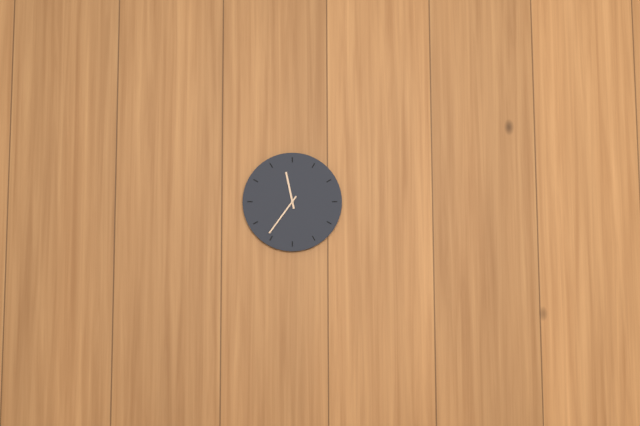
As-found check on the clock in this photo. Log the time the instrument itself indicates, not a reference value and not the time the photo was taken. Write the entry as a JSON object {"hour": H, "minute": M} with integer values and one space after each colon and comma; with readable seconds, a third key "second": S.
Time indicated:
{"hour": 11, "minute": 36}
